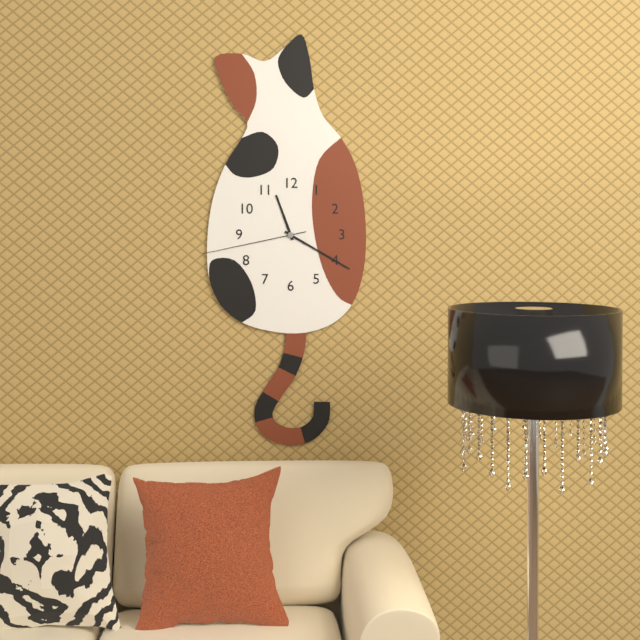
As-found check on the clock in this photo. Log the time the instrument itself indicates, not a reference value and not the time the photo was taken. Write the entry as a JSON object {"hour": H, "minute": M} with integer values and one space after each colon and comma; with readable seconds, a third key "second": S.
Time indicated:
{"hour": 11, "minute": 20, "second": 43}
